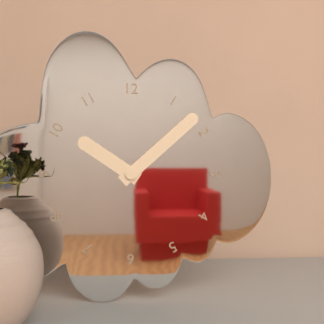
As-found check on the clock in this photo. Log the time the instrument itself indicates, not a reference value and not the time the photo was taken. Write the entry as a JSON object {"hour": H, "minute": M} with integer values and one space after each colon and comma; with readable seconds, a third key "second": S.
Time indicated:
{"hour": 10, "minute": 8}
